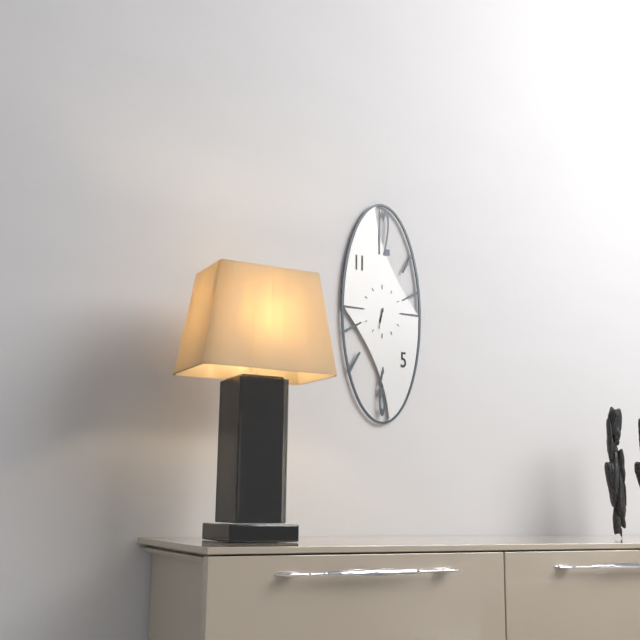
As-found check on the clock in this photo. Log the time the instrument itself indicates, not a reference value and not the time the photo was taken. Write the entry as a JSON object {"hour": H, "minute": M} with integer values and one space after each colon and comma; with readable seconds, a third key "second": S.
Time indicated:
{"hour": 6, "minute": 32}
